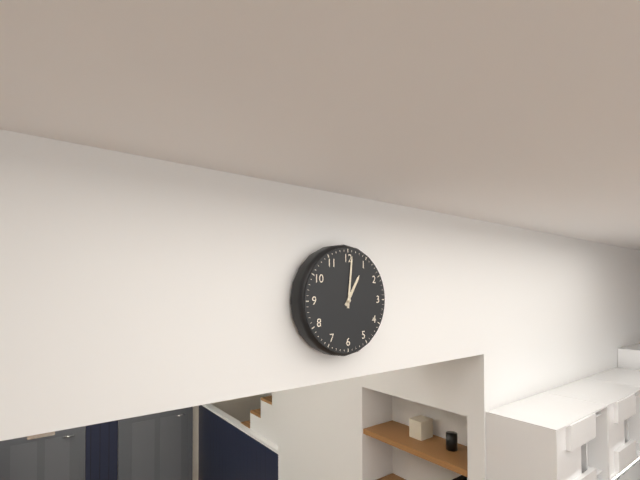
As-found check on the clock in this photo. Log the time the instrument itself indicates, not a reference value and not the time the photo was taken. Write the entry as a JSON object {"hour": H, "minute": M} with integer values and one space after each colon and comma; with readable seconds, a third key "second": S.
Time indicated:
{"hour": 1, "minute": 1}
